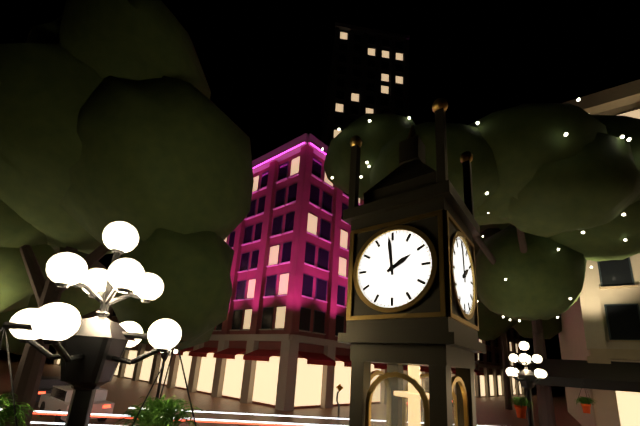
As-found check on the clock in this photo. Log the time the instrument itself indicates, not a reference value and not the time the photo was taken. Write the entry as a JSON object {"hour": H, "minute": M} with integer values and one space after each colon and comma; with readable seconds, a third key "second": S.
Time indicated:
{"hour": 1, "minute": 59}
